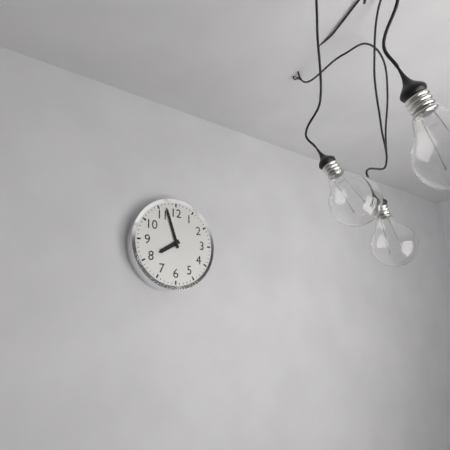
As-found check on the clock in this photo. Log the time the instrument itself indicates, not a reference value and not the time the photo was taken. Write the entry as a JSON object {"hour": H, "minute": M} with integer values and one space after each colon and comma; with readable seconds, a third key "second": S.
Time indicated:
{"hour": 7, "minute": 57}
